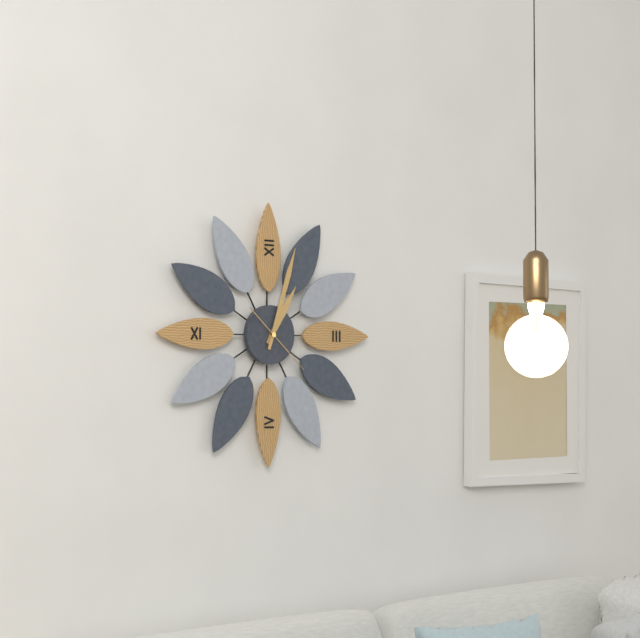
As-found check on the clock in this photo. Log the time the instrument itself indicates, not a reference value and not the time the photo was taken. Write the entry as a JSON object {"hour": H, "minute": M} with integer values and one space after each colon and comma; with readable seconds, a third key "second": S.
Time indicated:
{"hour": 1, "minute": 3, "second": 22}
